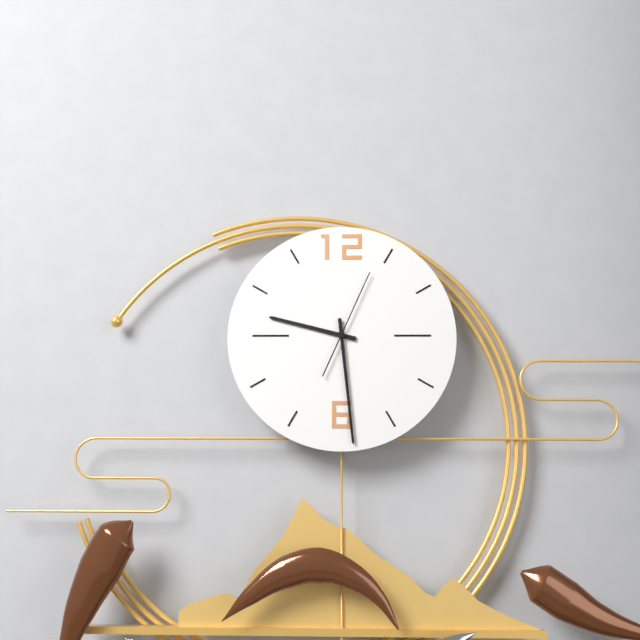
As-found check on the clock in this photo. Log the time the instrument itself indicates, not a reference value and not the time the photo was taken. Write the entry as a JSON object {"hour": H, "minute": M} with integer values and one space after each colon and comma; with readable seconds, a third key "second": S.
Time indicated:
{"hour": 9, "minute": 29, "second": 4}
